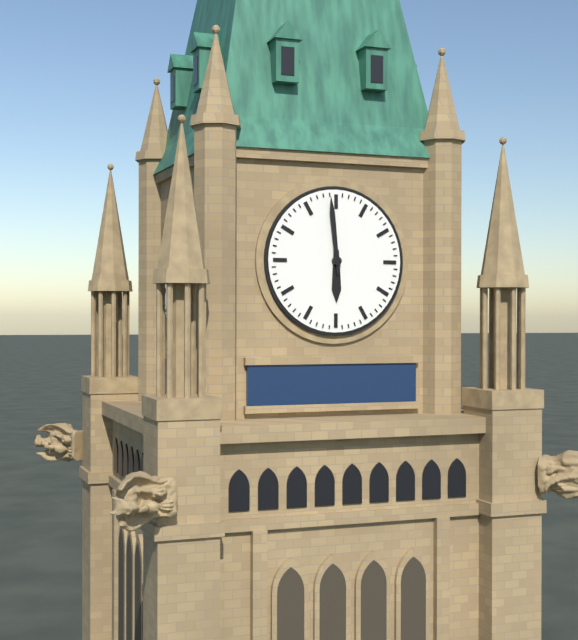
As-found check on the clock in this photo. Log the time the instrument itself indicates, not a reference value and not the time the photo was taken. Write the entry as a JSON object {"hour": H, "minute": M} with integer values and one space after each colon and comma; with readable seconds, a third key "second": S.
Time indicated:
{"hour": 5, "minute": 59}
